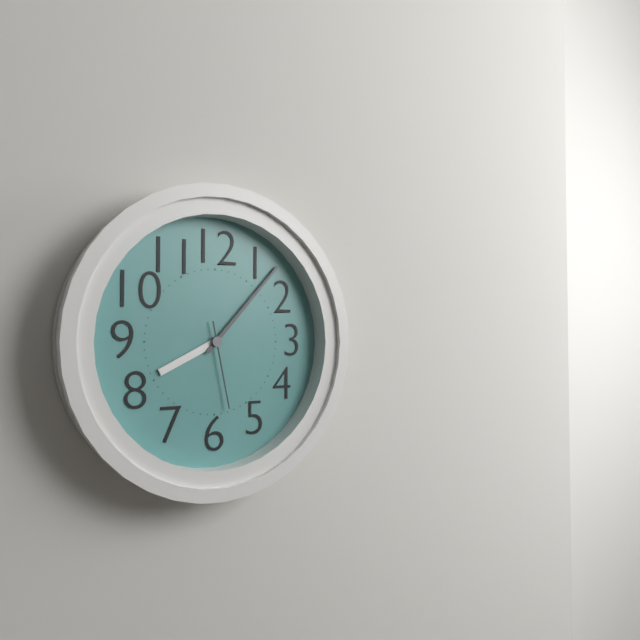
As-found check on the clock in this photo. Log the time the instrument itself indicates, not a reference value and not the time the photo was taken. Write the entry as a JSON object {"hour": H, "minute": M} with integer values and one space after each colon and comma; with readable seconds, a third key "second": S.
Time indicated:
{"hour": 8, "minute": 7, "second": 28}
